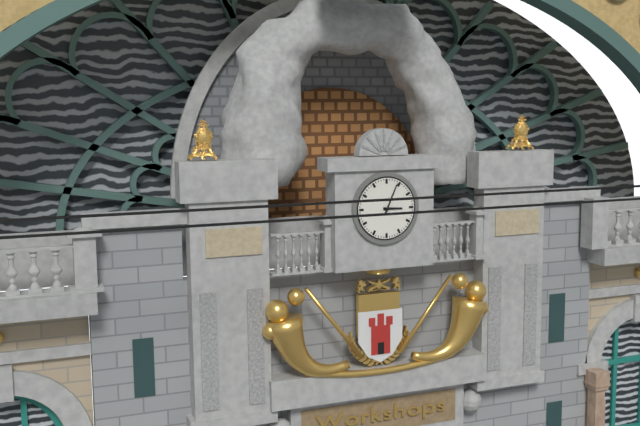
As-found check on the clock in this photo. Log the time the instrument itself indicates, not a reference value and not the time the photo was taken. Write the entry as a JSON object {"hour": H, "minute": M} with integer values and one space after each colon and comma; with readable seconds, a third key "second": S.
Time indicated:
{"hour": 3, "minute": 4}
